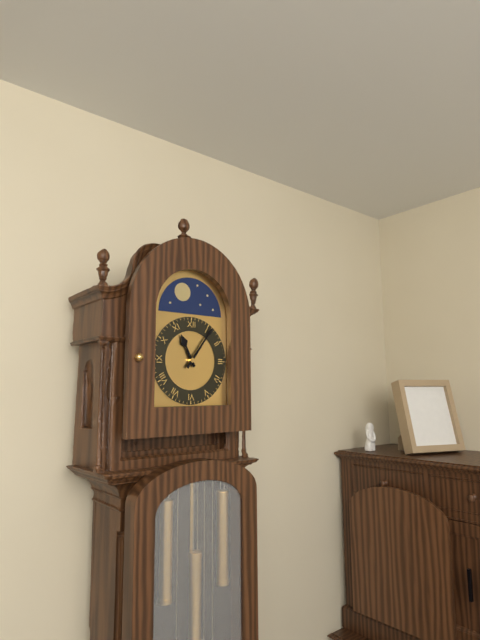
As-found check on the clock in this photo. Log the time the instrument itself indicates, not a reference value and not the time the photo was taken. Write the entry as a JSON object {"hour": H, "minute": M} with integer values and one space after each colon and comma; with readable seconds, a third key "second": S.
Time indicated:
{"hour": 11, "minute": 6}
